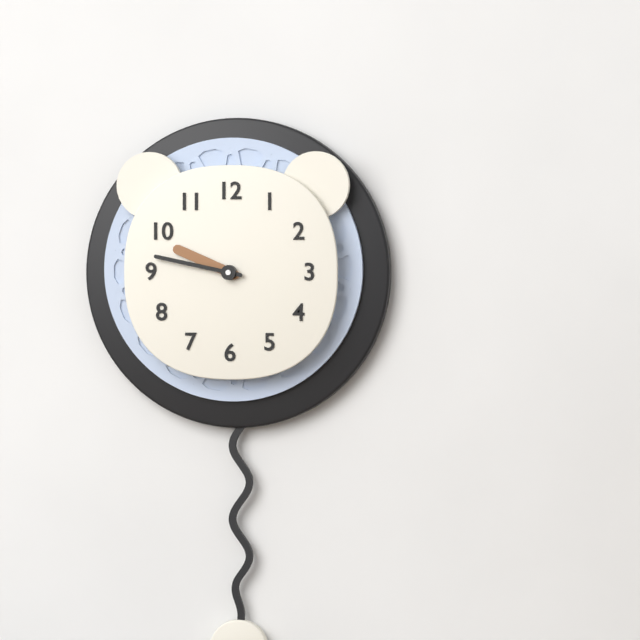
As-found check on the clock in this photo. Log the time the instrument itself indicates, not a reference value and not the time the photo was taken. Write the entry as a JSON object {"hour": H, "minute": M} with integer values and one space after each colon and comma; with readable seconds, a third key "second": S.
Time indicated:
{"hour": 9, "minute": 47}
